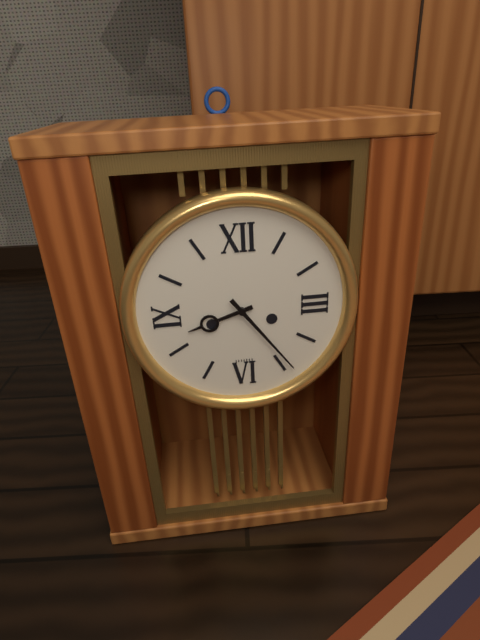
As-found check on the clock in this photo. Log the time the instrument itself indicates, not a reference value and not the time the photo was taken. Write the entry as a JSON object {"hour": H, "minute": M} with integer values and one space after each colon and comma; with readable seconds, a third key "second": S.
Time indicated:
{"hour": 8, "minute": 24}
